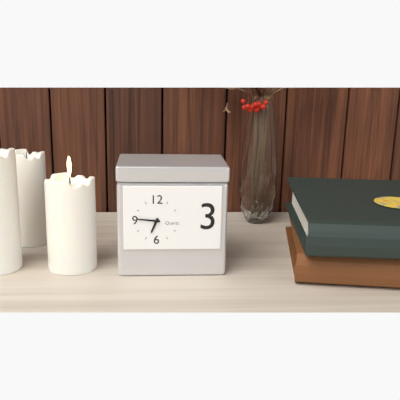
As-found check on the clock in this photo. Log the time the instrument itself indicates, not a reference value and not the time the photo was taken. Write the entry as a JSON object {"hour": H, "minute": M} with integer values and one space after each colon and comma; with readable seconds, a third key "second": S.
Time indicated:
{"hour": 6, "minute": 46}
